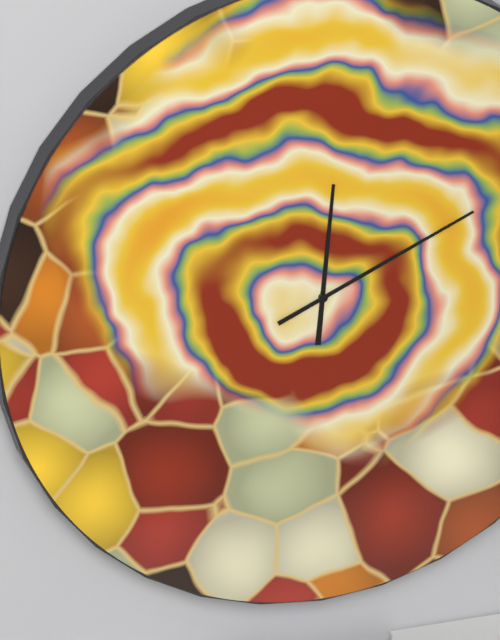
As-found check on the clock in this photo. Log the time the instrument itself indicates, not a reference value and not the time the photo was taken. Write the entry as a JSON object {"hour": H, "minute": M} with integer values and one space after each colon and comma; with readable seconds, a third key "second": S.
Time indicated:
{"hour": 12, "minute": 11}
